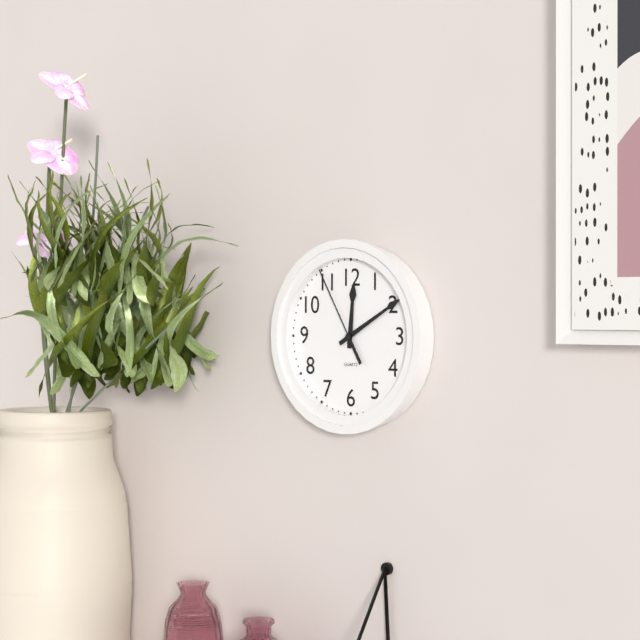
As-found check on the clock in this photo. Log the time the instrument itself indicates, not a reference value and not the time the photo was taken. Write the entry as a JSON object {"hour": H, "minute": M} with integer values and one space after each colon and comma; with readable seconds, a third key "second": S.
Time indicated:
{"hour": 12, "minute": 10, "second": 55}
